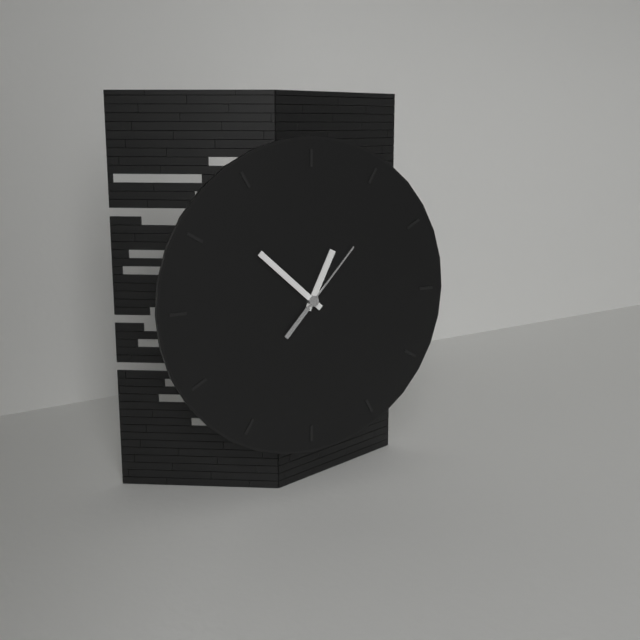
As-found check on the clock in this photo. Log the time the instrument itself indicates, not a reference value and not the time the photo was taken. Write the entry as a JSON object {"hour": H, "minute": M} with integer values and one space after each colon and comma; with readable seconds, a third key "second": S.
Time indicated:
{"hour": 12, "minute": 52, "second": 7}
